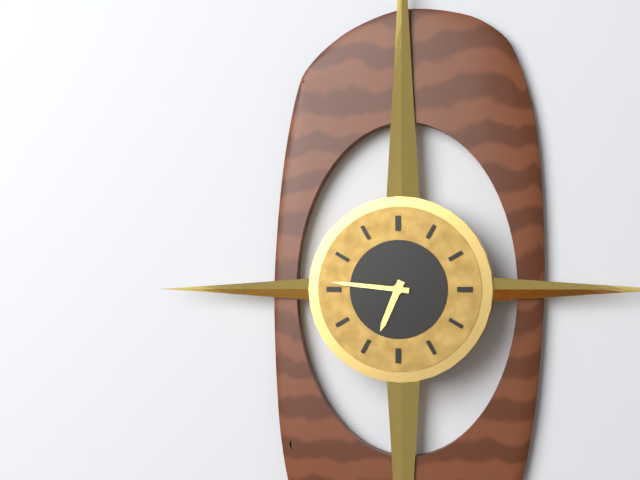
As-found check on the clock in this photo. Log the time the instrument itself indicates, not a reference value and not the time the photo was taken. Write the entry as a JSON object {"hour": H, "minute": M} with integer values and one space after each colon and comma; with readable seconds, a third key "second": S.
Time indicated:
{"hour": 6, "minute": 46}
